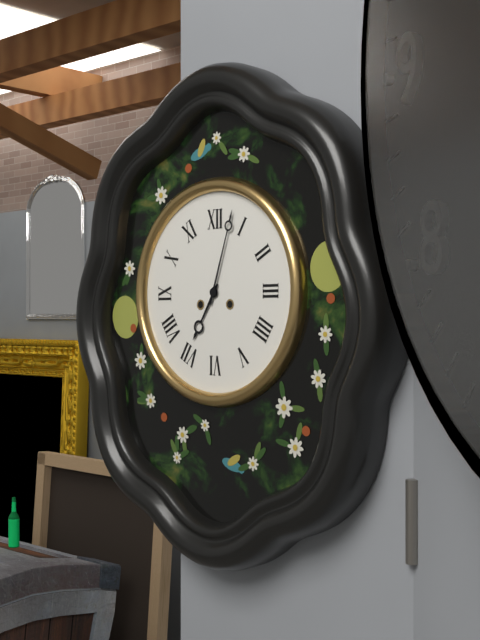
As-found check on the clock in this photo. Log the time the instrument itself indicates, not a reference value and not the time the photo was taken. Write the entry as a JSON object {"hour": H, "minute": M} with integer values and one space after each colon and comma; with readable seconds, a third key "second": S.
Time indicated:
{"hour": 7, "minute": 3}
